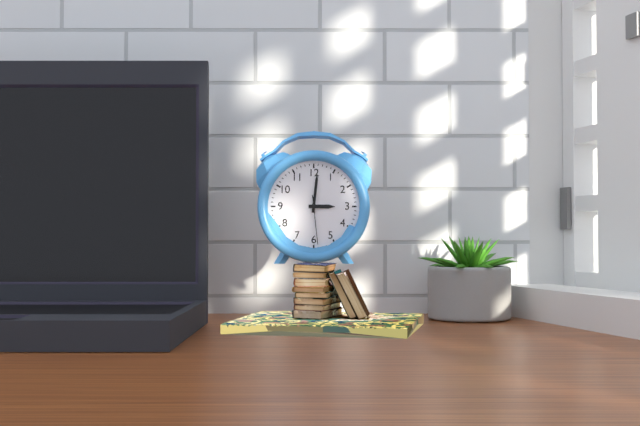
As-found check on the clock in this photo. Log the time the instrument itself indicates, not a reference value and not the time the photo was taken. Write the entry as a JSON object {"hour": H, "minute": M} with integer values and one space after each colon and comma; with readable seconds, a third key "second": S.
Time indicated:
{"hour": 3, "minute": 1}
